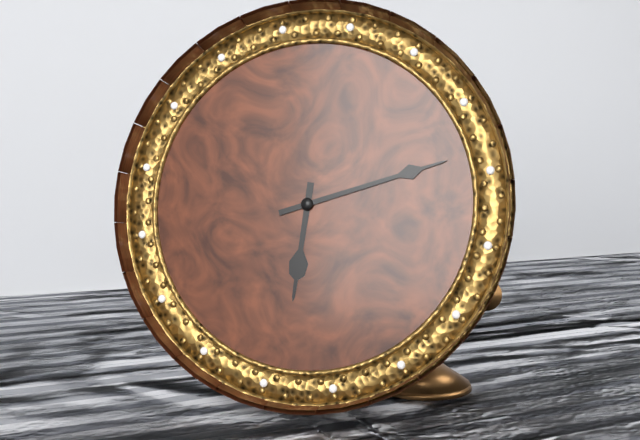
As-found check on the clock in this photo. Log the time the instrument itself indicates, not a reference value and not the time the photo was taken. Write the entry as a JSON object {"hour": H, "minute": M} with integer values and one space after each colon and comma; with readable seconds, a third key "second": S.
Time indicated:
{"hour": 6, "minute": 12}
